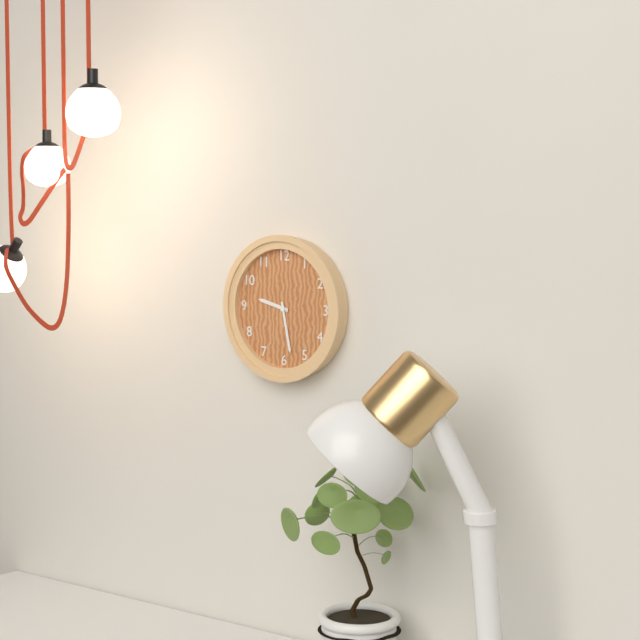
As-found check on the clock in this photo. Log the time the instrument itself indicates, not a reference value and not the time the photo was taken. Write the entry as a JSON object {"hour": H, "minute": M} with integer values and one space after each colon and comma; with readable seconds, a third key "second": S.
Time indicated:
{"hour": 9, "minute": 28}
